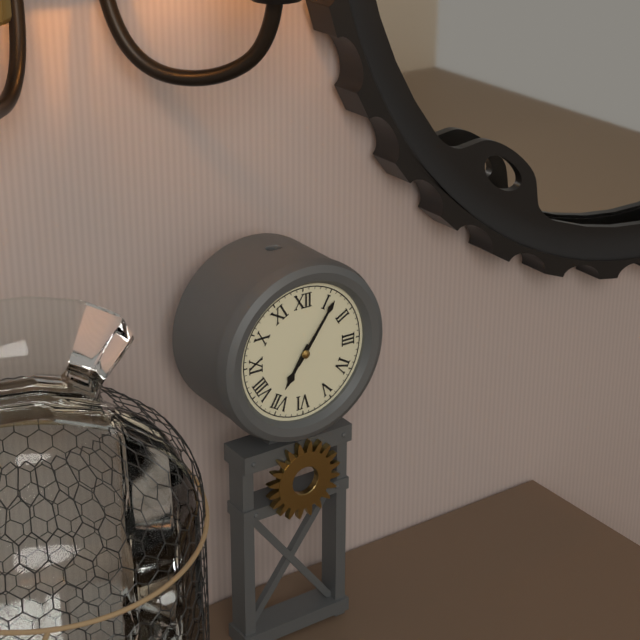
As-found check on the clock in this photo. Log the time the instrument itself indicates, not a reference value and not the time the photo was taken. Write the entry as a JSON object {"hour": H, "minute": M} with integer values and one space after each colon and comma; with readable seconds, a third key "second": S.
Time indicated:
{"hour": 7, "minute": 6}
